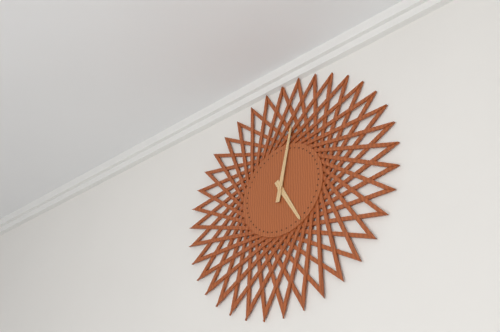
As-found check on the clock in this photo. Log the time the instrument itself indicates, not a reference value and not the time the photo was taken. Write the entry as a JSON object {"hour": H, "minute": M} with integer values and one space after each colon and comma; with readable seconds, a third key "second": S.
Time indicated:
{"hour": 5, "minute": 2}
